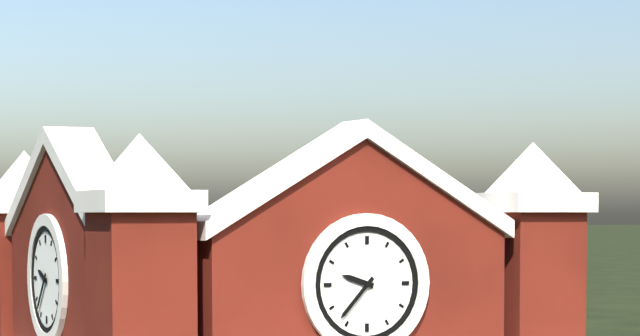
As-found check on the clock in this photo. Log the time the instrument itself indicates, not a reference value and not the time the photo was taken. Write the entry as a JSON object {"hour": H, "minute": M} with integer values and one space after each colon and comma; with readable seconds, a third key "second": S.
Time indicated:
{"hour": 9, "minute": 37}
